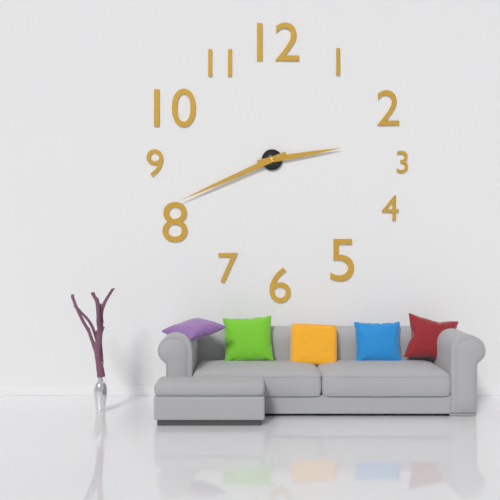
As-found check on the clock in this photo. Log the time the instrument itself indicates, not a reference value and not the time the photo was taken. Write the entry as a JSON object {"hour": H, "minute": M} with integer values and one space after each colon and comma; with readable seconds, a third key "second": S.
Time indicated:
{"hour": 2, "minute": 41}
